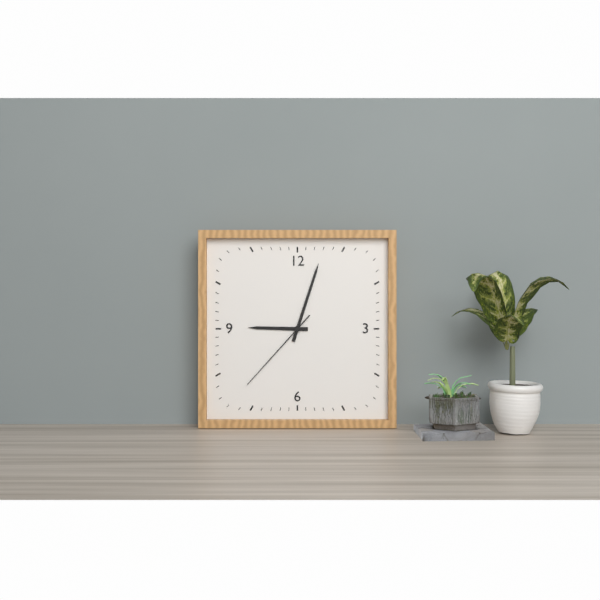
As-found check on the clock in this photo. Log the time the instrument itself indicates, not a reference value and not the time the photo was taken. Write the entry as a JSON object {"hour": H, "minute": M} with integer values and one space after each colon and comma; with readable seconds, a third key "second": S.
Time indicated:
{"hour": 9, "minute": 3, "second": 37}
